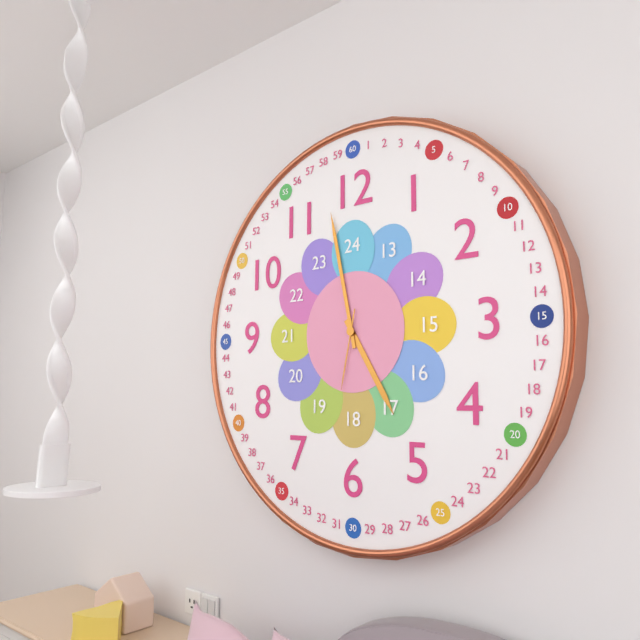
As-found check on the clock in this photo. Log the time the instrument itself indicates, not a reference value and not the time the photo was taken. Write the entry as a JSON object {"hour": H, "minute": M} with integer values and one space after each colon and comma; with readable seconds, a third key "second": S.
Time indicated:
{"hour": 4, "minute": 58, "second": 32}
